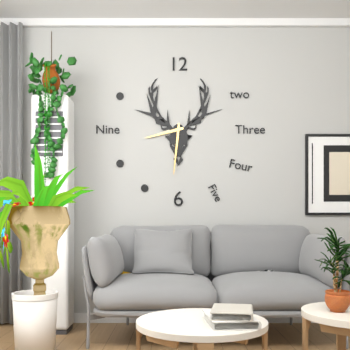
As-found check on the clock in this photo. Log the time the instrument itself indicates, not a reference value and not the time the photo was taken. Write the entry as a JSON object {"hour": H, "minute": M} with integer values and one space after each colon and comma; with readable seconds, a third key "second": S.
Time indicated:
{"hour": 8, "minute": 31}
